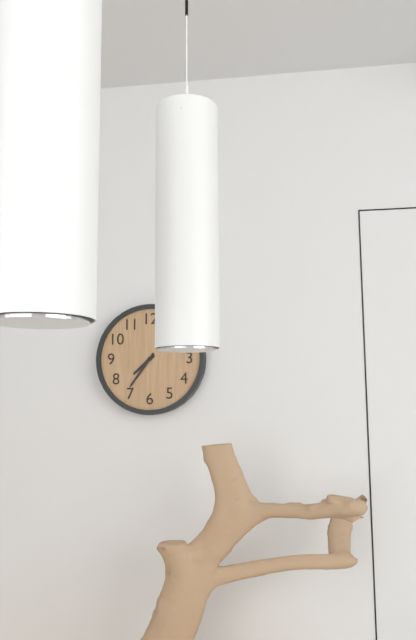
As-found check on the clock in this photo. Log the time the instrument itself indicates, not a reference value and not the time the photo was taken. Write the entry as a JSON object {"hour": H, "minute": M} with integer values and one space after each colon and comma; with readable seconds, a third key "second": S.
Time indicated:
{"hour": 7, "minute": 36}
